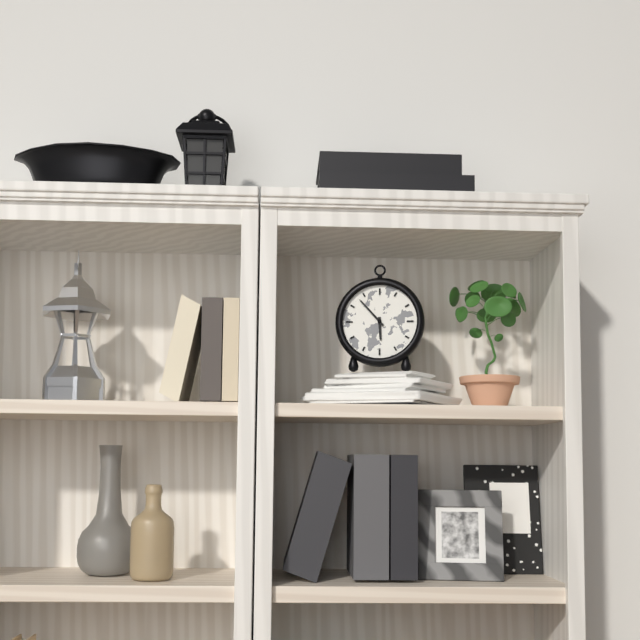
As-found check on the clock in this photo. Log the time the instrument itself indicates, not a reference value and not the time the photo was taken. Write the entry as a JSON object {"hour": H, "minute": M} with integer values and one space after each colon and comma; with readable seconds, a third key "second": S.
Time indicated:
{"hour": 5, "minute": 53}
